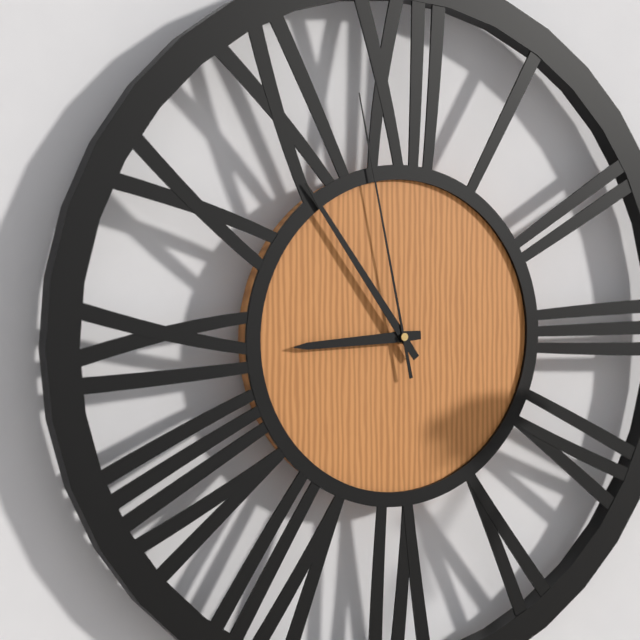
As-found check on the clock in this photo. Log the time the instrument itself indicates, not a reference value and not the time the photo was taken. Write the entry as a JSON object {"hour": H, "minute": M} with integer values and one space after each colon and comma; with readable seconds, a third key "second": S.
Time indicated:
{"hour": 8, "minute": 54, "second": 58}
